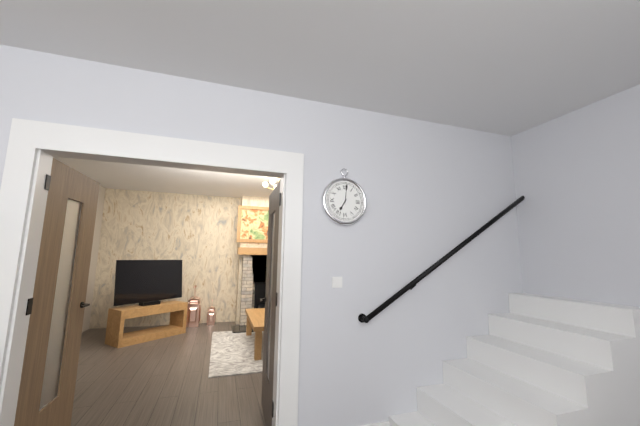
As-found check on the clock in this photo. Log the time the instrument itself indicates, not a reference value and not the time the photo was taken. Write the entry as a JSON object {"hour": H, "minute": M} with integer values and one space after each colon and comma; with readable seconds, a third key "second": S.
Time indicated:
{"hour": 7, "minute": 1}
